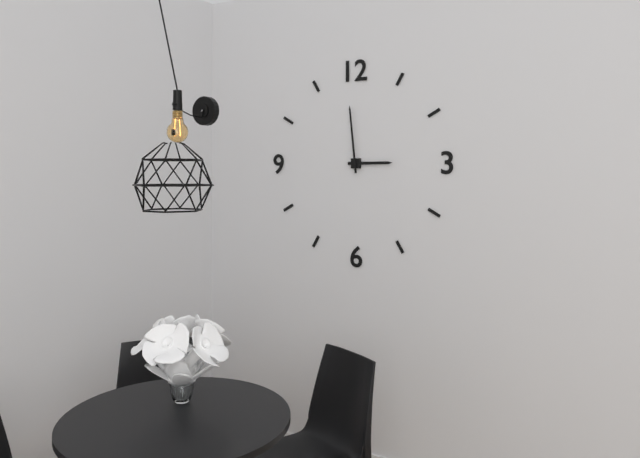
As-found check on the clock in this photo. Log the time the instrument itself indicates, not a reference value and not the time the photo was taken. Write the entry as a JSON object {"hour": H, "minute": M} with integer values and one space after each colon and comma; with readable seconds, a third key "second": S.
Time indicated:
{"hour": 2, "minute": 59}
